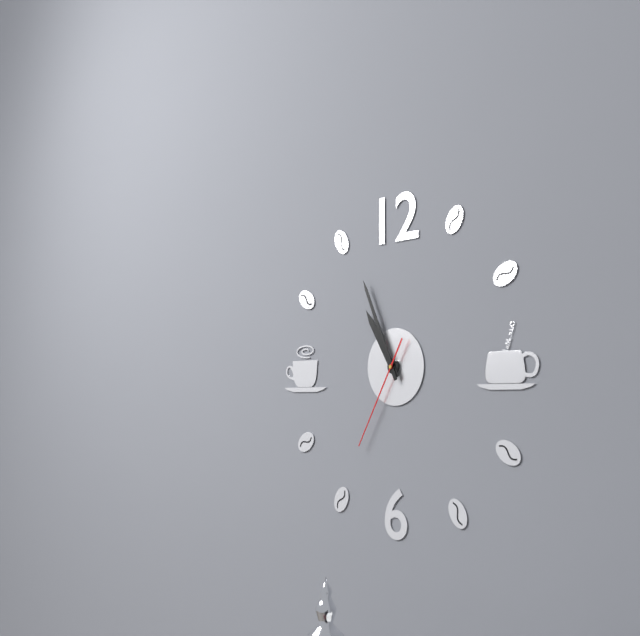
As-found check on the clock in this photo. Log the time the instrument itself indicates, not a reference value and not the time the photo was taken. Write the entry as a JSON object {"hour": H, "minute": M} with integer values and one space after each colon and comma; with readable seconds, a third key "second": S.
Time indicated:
{"hour": 10, "minute": 56, "second": 35}
